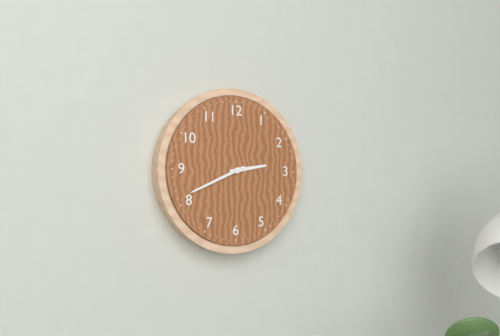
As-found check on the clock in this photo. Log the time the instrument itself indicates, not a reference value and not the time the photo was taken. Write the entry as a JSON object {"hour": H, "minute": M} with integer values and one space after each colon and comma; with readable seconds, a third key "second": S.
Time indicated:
{"hour": 2, "minute": 41}
